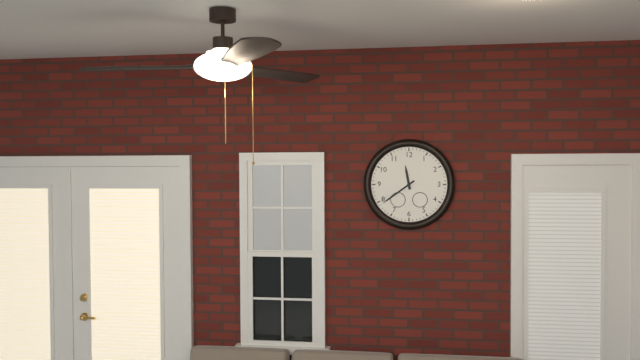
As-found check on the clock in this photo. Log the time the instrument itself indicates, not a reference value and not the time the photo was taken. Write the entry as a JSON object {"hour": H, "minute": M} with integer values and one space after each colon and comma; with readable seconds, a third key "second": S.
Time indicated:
{"hour": 11, "minute": 39}
